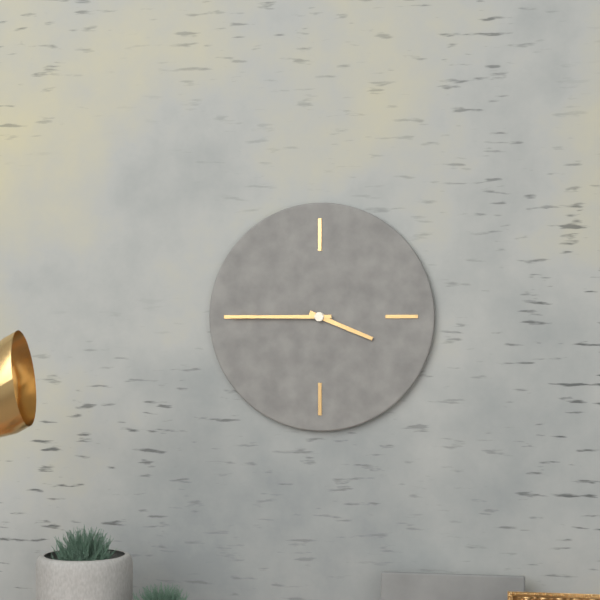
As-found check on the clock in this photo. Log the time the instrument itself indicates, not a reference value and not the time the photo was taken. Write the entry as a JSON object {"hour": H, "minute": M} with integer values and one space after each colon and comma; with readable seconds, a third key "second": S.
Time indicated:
{"hour": 3, "minute": 45}
